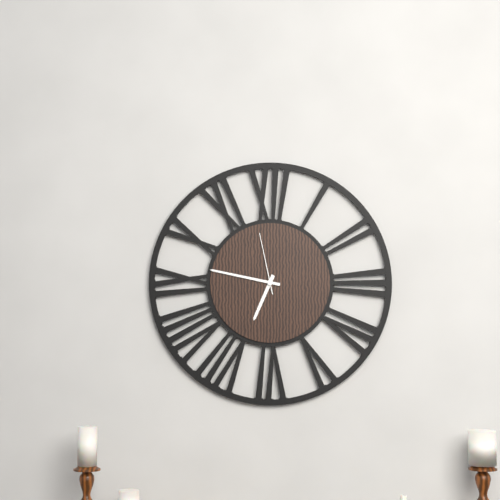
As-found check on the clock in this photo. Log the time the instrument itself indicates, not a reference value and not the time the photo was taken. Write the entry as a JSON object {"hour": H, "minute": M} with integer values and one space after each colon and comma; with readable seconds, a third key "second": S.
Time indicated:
{"hour": 6, "minute": 47, "second": 58}
